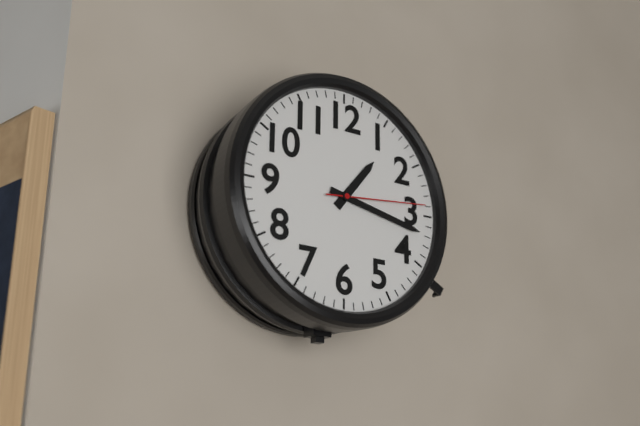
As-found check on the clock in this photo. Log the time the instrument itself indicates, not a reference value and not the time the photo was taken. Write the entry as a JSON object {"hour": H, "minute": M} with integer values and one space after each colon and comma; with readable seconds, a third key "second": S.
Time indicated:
{"hour": 1, "minute": 17, "second": 14}
